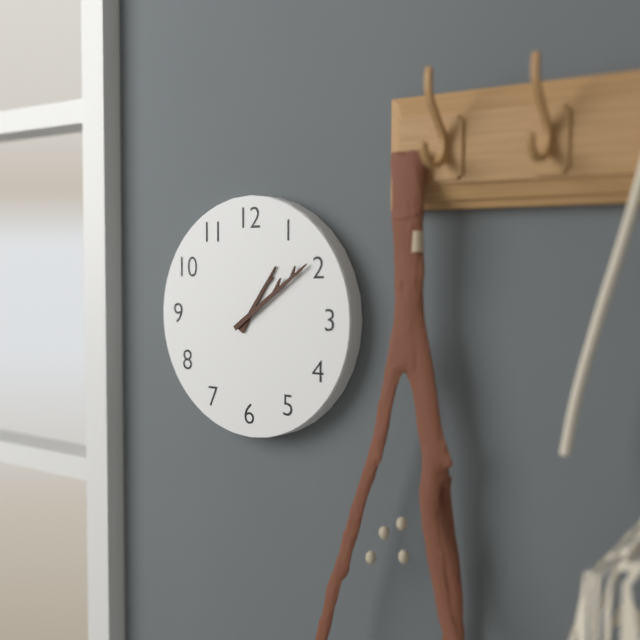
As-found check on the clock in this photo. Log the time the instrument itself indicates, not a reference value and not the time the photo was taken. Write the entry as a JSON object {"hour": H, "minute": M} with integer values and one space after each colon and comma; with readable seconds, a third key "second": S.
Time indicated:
{"hour": 1, "minute": 9}
